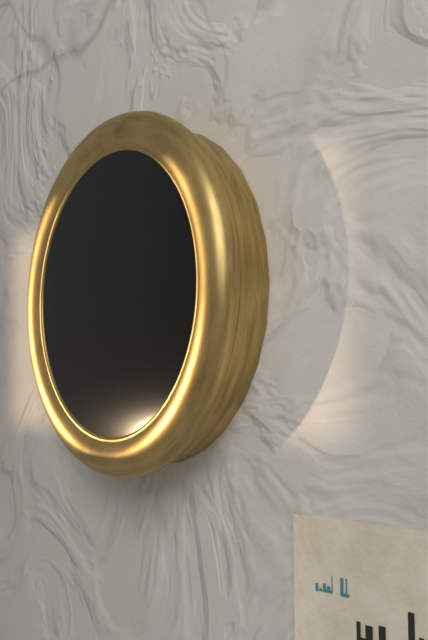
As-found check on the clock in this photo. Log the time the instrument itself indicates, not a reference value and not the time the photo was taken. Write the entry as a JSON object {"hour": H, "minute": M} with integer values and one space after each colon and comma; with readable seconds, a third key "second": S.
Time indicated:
{"hour": 12, "minute": 19, "second": 20}
